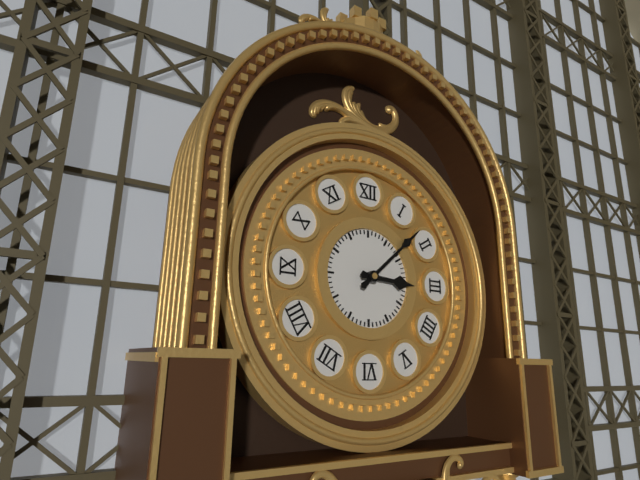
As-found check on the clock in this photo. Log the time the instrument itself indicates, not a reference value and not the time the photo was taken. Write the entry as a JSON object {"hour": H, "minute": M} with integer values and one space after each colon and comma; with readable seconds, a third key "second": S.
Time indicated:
{"hour": 3, "minute": 8}
